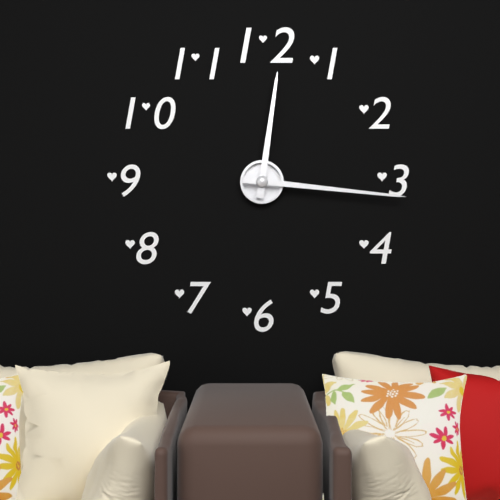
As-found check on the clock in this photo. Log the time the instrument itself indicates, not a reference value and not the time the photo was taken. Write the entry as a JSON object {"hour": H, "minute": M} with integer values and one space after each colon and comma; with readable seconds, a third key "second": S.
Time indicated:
{"hour": 12, "minute": 16}
